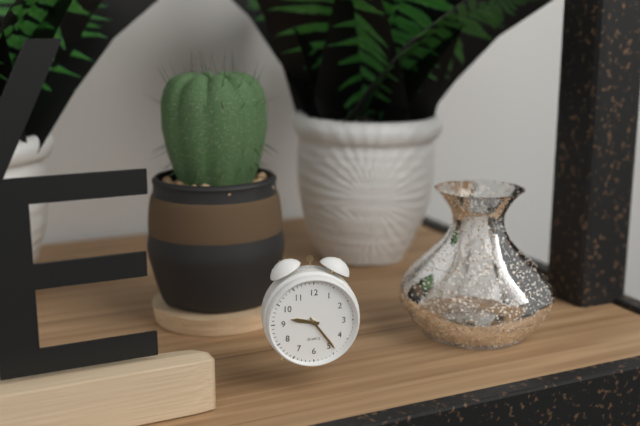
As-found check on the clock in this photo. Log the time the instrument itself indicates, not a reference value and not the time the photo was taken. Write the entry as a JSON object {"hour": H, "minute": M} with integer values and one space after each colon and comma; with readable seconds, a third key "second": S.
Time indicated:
{"hour": 9, "minute": 24}
